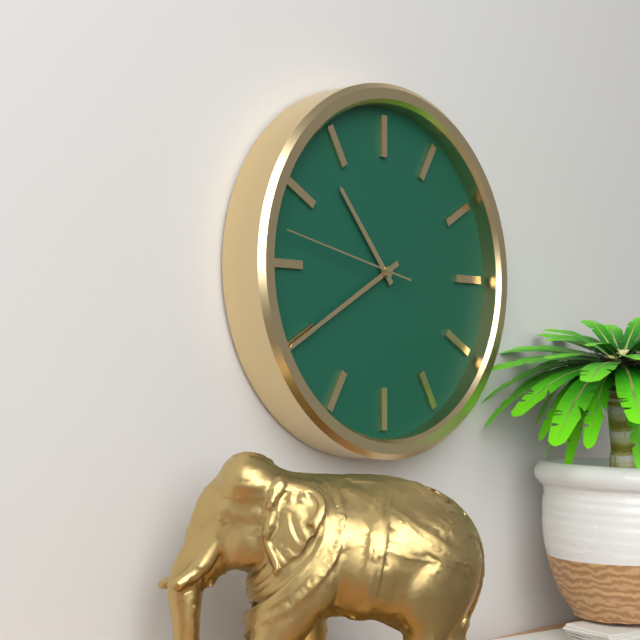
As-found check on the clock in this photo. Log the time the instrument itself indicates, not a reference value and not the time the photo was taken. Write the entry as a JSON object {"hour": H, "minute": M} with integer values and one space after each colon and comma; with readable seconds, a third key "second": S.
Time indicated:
{"hour": 10, "minute": 40, "second": 47}
